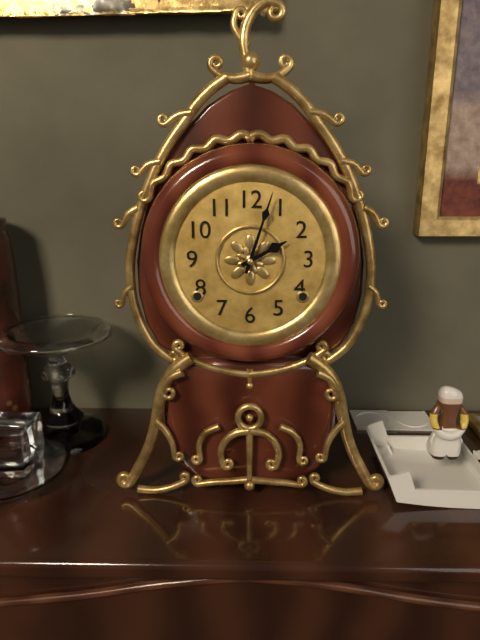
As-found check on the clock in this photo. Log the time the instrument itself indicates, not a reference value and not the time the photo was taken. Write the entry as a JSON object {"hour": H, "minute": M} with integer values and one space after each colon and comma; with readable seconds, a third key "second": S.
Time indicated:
{"hour": 2, "minute": 3}
